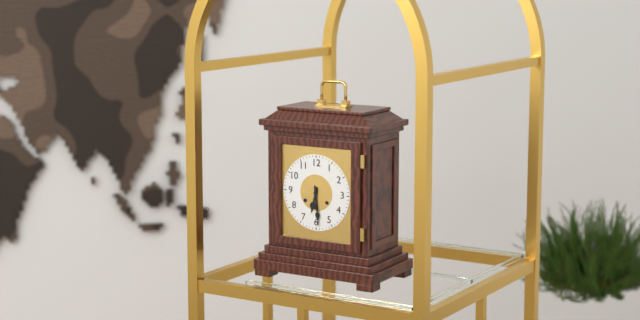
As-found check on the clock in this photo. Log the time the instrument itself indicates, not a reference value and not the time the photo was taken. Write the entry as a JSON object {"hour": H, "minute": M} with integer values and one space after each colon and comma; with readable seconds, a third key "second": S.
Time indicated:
{"hour": 6, "minute": 29}
